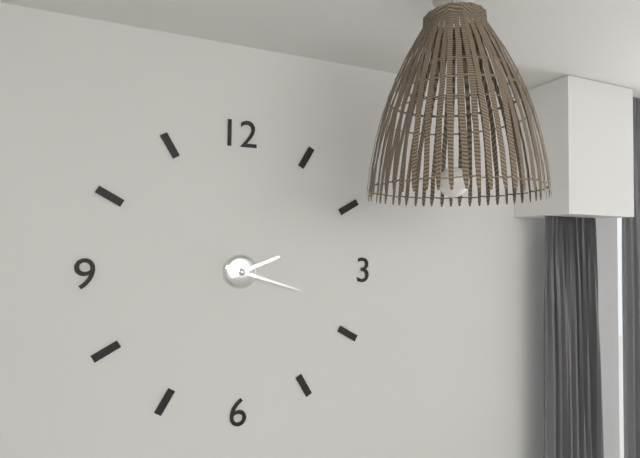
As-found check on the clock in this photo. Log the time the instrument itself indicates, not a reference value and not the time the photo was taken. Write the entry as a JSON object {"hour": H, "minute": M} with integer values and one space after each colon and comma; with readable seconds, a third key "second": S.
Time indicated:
{"hour": 2, "minute": 18}
